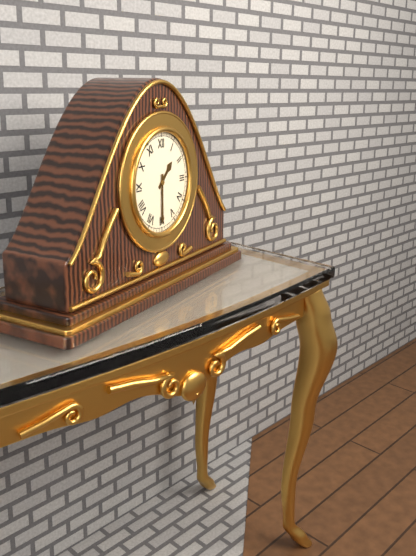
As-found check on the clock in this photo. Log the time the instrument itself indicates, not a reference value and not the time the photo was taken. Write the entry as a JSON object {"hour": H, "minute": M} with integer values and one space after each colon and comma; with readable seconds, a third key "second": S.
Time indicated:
{"hour": 1, "minute": 30}
